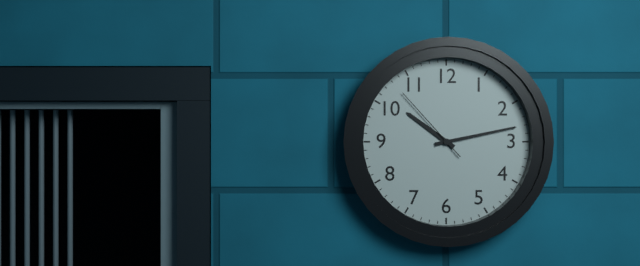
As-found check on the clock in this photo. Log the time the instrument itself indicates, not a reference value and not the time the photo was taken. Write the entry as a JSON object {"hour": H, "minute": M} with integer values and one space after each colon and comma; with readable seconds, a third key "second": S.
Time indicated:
{"hour": 10, "minute": 13, "second": 53}
